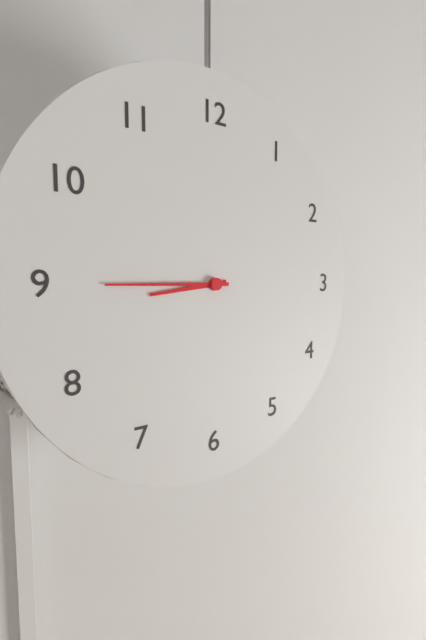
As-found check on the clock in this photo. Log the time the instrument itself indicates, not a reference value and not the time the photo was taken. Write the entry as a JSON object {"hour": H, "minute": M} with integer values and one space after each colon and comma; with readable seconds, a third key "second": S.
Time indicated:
{"hour": 8, "minute": 45}
